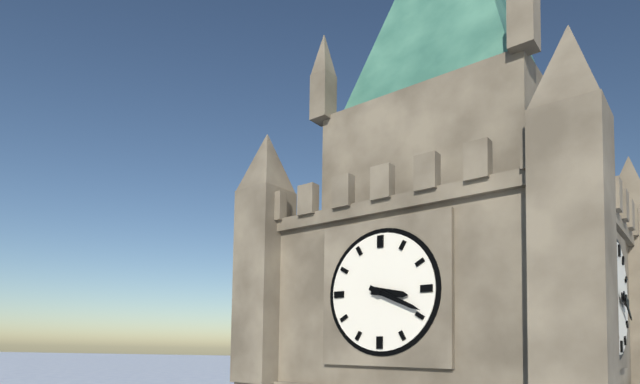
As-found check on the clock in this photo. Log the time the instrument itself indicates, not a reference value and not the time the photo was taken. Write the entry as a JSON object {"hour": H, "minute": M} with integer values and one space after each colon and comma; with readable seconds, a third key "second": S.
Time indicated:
{"hour": 3, "minute": 19}
